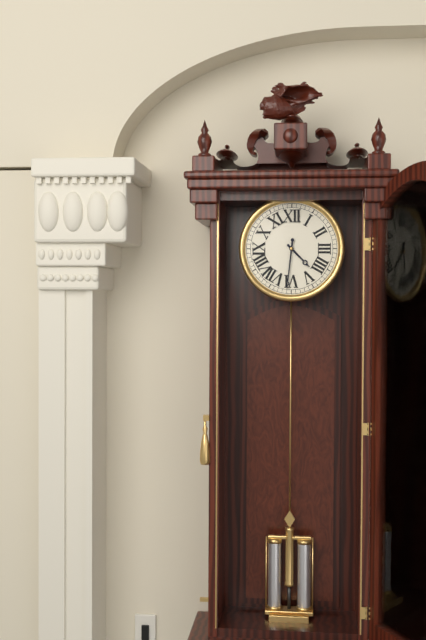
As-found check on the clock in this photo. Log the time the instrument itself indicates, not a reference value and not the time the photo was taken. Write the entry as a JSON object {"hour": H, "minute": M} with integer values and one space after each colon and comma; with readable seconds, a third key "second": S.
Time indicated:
{"hour": 4, "minute": 31}
